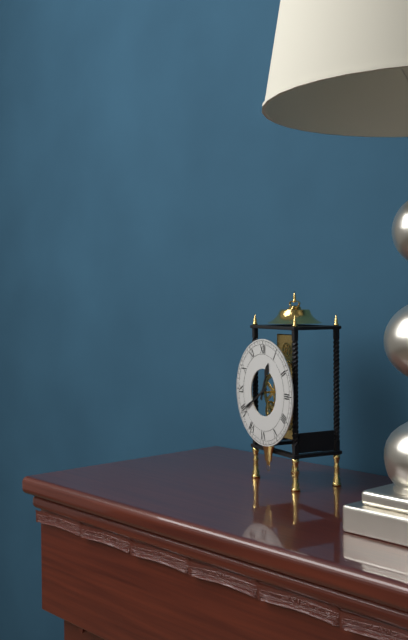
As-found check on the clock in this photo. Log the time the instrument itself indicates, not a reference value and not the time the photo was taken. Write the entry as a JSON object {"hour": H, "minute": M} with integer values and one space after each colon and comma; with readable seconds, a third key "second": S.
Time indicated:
{"hour": 12, "minute": 40}
